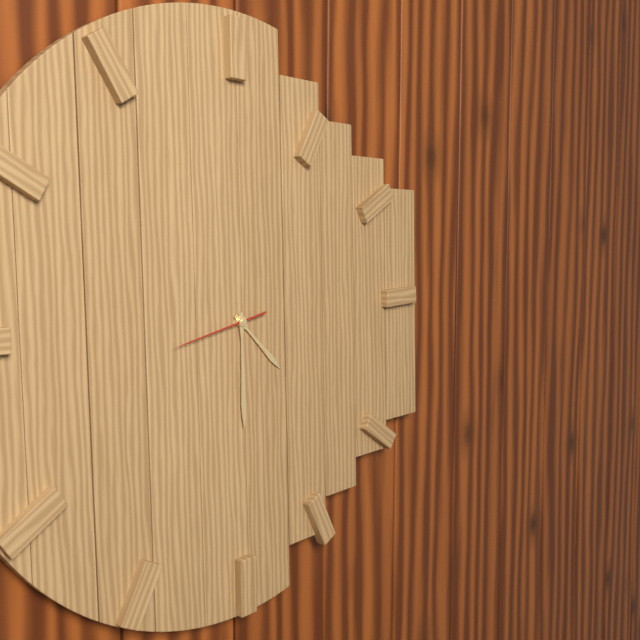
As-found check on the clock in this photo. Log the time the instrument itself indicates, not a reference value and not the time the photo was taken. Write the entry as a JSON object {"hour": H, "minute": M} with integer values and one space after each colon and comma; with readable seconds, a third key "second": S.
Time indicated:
{"hour": 4, "minute": 30, "second": 43}
